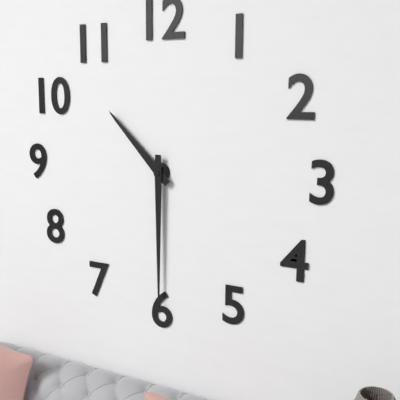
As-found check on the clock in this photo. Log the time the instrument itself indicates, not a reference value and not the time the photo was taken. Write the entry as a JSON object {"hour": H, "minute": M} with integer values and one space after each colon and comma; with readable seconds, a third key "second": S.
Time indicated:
{"hour": 10, "minute": 30}
